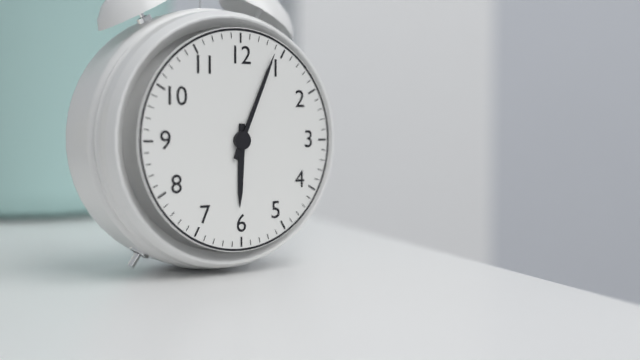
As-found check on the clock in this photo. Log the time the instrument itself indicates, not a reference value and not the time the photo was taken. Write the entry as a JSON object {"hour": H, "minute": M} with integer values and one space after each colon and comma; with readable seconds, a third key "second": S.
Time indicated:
{"hour": 6, "minute": 4}
